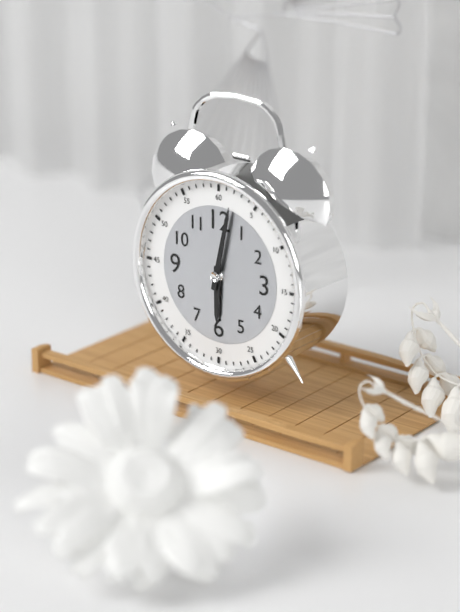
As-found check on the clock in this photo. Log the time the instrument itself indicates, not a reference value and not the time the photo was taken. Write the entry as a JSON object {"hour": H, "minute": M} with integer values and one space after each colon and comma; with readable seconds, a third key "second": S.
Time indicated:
{"hour": 6, "minute": 2}
